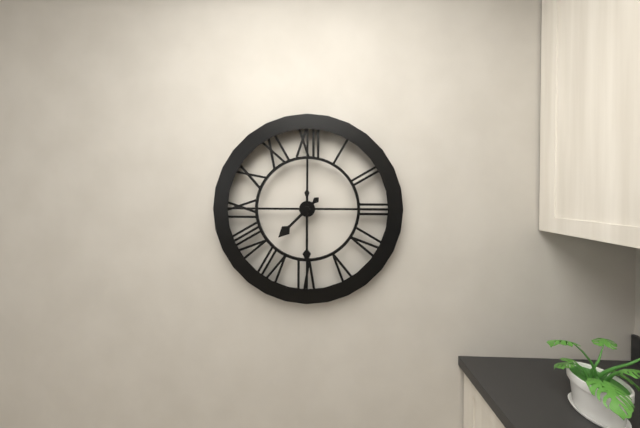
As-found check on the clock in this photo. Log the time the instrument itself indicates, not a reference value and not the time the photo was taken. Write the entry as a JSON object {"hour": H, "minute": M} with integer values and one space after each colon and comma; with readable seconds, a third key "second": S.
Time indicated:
{"hour": 7, "minute": 30}
